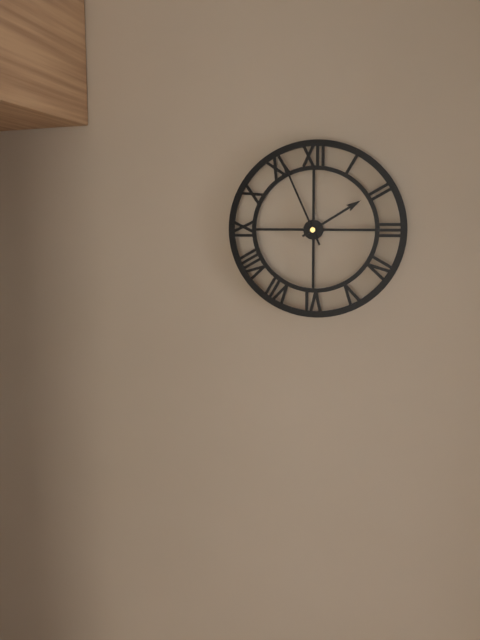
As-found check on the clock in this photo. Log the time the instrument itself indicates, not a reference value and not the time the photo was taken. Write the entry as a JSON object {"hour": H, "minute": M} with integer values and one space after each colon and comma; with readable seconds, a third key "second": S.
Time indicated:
{"hour": 1, "minute": 56}
